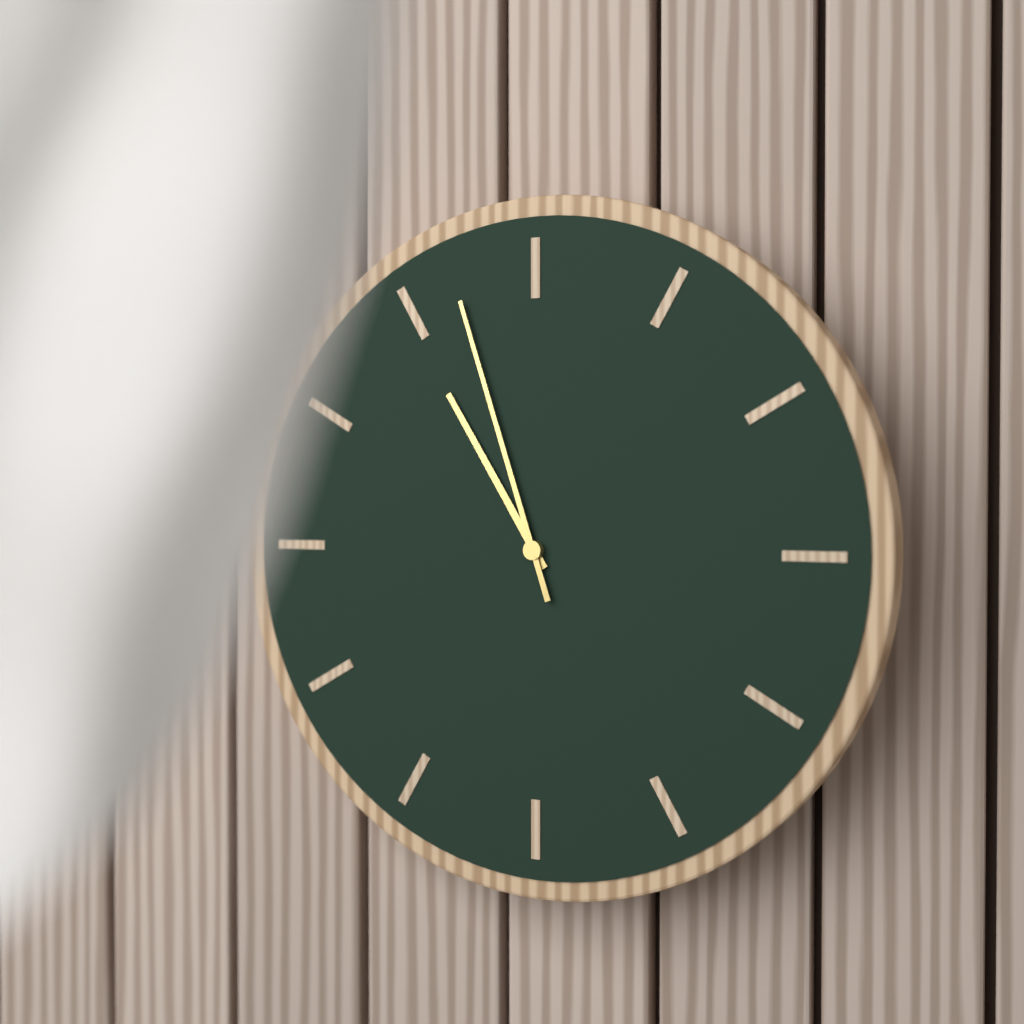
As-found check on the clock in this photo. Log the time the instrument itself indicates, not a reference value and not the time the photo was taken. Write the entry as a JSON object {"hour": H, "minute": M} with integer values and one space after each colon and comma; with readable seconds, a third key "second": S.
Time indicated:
{"hour": 10, "minute": 57}
